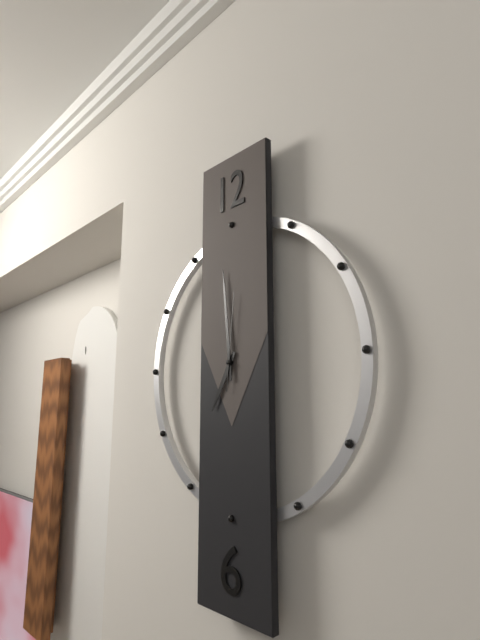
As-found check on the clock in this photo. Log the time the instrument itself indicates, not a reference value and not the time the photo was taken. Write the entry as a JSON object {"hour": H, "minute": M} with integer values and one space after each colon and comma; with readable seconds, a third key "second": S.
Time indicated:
{"hour": 6, "minute": 59, "second": 1}
